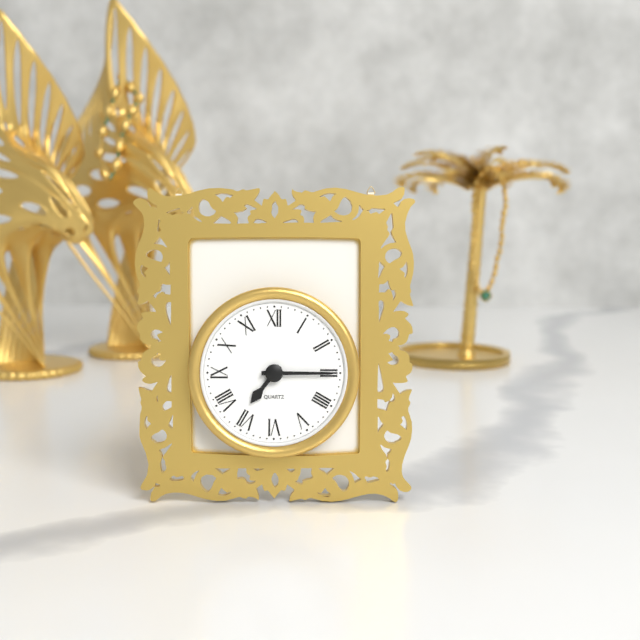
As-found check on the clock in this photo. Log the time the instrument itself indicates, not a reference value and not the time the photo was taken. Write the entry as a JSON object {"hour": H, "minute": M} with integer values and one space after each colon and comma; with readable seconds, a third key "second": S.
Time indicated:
{"hour": 7, "minute": 15}
